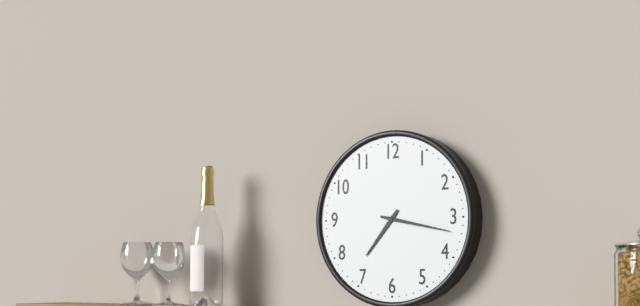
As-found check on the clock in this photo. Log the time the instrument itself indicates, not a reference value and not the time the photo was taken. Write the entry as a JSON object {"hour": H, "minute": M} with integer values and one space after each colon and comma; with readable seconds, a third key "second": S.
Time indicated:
{"hour": 7, "minute": 17}
